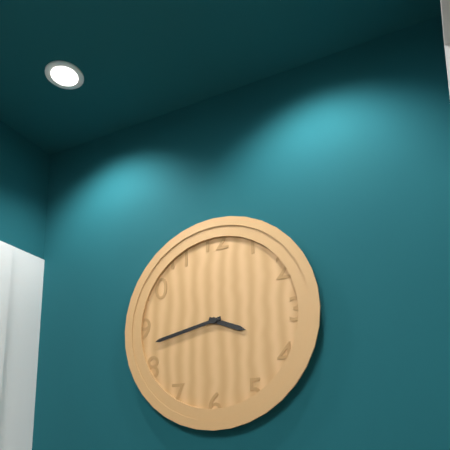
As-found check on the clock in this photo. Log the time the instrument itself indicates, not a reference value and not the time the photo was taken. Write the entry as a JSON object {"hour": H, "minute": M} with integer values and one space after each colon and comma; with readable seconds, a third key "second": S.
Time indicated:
{"hour": 3, "minute": 43}
